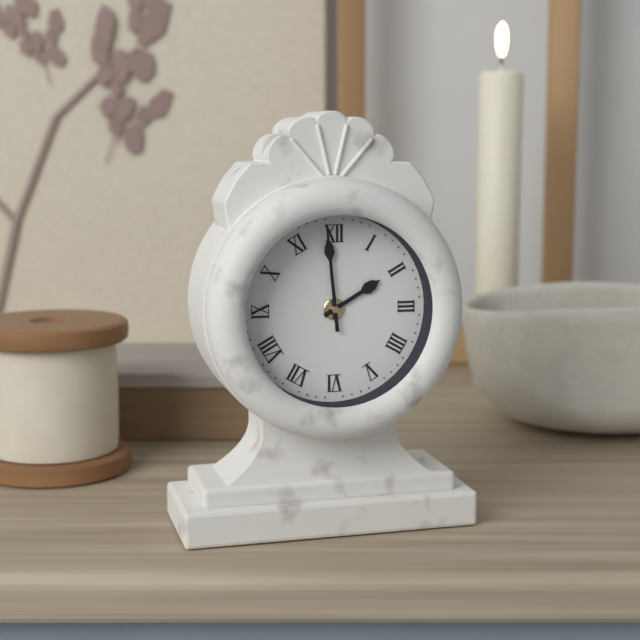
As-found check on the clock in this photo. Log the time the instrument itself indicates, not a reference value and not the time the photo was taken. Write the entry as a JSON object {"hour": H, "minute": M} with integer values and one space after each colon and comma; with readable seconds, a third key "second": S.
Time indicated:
{"hour": 1, "minute": 59}
